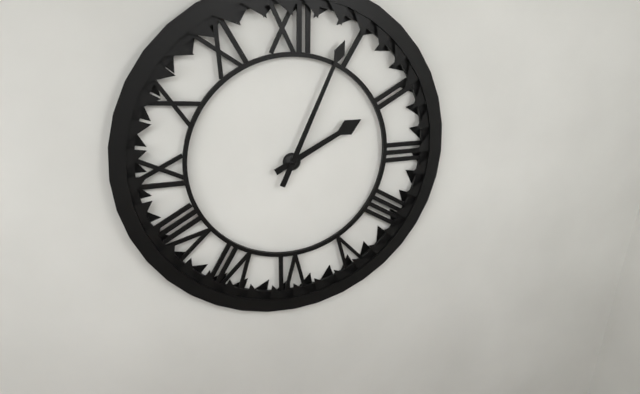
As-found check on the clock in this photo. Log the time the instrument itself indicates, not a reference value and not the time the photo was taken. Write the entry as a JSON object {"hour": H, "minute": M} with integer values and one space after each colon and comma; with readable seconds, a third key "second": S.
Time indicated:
{"hour": 2, "minute": 4}
